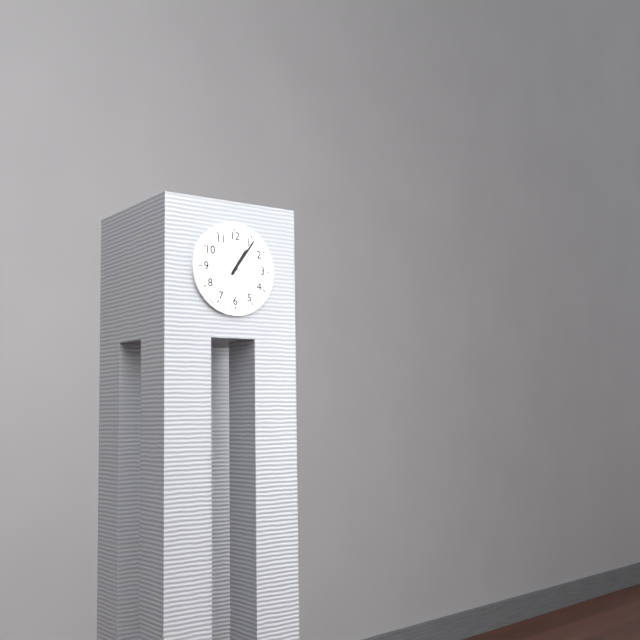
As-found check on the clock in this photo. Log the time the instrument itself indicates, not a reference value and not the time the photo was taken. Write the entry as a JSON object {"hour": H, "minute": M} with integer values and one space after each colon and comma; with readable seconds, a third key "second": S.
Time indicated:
{"hour": 1, "minute": 6}
